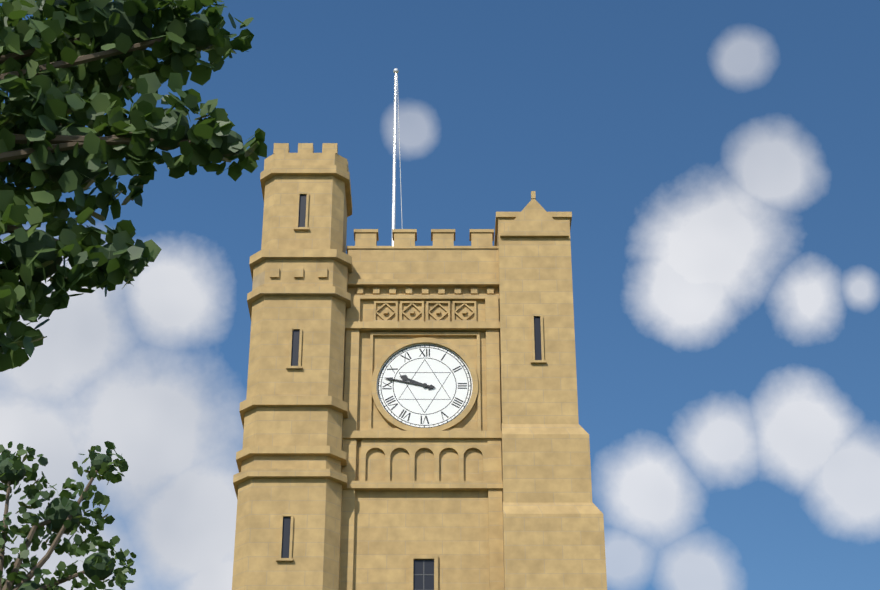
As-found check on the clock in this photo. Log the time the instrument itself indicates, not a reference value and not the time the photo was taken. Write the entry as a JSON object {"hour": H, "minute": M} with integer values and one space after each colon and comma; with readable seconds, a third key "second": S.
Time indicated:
{"hour": 9, "minute": 47}
